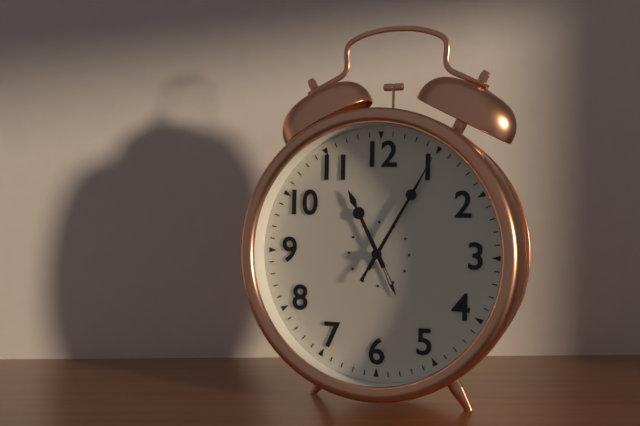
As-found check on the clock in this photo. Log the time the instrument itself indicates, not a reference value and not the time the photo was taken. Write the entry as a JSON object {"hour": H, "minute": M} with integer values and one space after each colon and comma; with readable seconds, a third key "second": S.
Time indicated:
{"hour": 11, "minute": 5, "second": 5}
